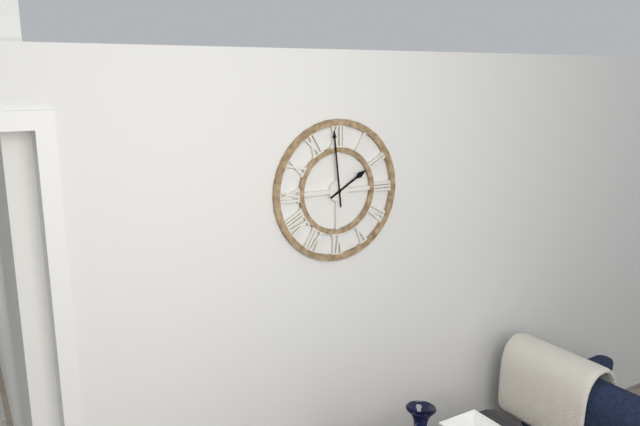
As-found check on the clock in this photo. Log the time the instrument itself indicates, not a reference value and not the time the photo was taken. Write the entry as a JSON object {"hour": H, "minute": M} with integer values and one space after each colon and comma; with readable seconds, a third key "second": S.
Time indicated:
{"hour": 1, "minute": 59}
